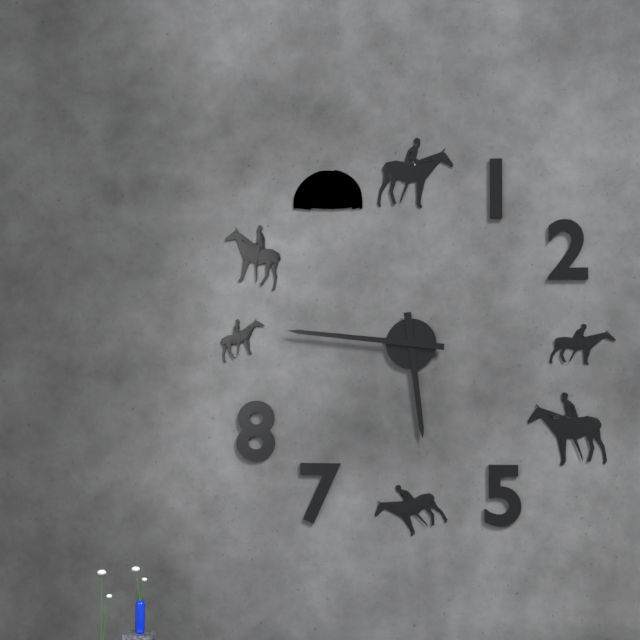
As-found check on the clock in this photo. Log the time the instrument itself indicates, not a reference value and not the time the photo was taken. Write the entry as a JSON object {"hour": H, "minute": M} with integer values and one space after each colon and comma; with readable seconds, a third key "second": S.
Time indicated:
{"hour": 5, "minute": 46}
